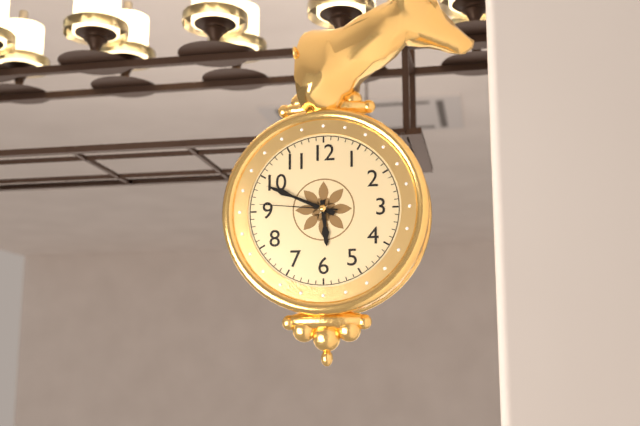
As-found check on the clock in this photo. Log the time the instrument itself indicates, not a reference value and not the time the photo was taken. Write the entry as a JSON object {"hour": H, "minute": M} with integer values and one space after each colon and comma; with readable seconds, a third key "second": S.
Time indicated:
{"hour": 5, "minute": 49, "second": 46}
